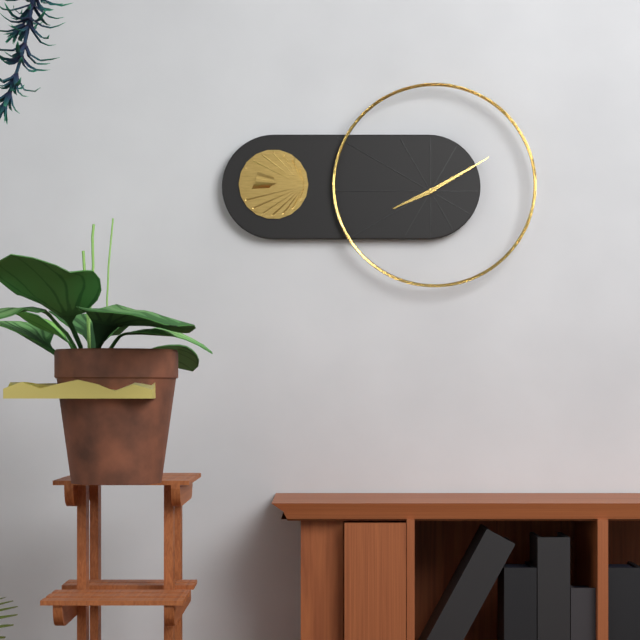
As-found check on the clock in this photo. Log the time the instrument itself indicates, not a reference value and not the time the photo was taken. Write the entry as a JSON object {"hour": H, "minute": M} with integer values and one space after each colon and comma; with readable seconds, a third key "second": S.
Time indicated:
{"hour": 8, "minute": 10}
